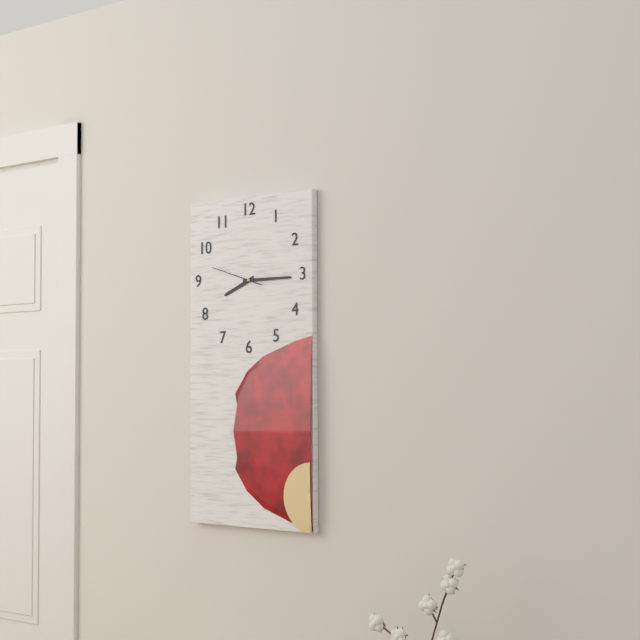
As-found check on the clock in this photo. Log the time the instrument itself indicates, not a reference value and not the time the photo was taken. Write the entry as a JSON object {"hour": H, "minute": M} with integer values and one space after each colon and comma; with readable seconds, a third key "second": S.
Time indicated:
{"hour": 8, "minute": 15, "second": 48}
